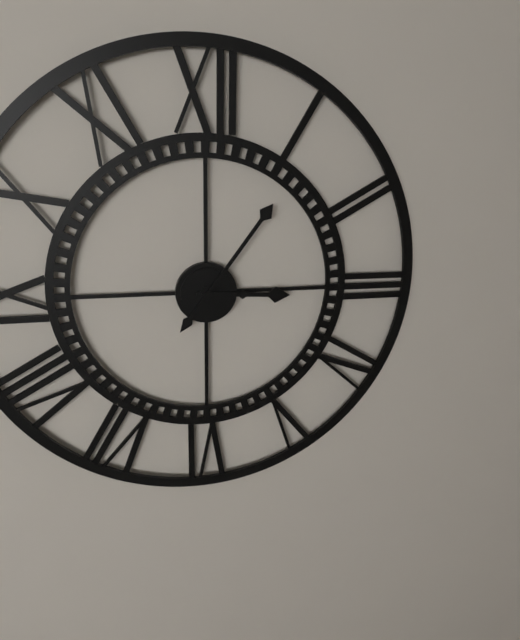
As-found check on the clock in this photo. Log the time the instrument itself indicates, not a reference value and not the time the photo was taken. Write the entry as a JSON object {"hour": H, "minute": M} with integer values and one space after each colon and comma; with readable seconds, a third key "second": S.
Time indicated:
{"hour": 3, "minute": 6}
